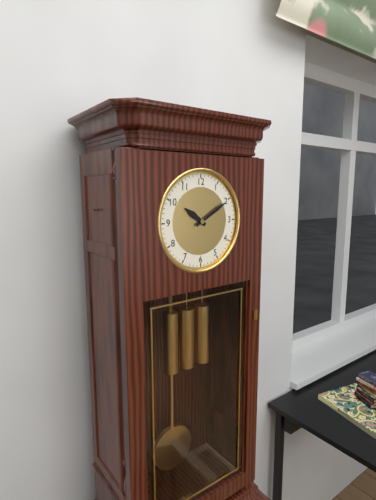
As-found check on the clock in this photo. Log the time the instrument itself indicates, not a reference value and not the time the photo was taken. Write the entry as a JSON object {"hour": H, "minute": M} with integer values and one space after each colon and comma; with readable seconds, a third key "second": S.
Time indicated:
{"hour": 10, "minute": 10}
